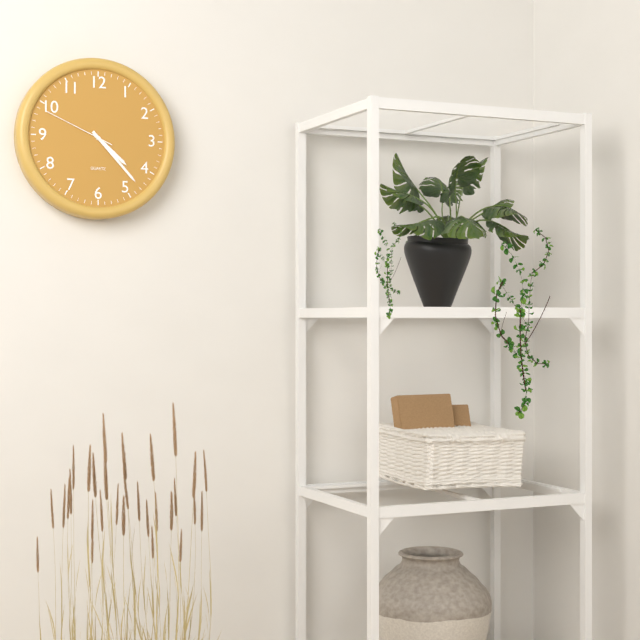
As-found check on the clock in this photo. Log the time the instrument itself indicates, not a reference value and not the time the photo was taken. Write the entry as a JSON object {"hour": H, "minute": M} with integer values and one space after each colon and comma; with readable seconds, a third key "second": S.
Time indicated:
{"hour": 4, "minute": 23, "second": 49}
